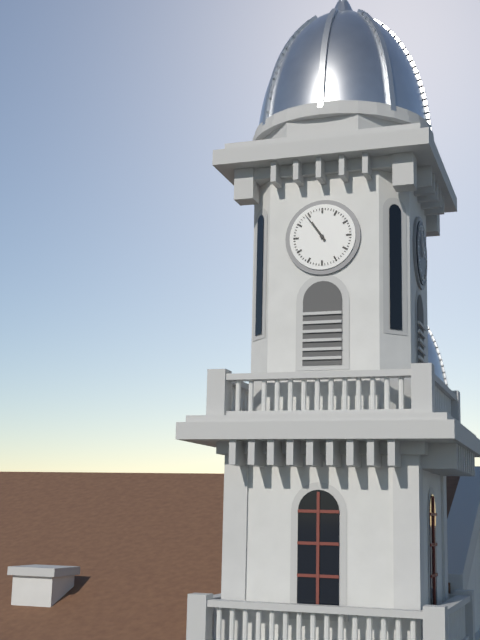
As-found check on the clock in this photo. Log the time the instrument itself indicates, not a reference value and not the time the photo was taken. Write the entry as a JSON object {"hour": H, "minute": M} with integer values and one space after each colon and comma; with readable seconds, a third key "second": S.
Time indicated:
{"hour": 10, "minute": 54}
